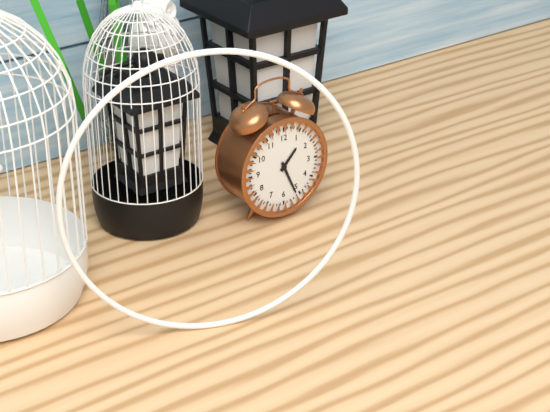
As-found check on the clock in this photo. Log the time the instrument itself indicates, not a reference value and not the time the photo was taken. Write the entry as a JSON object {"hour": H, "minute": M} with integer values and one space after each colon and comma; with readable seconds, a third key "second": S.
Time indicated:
{"hour": 1, "minute": 26}
